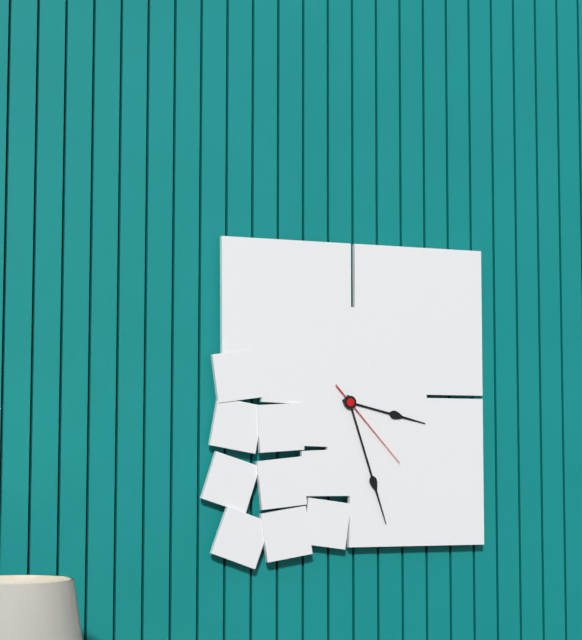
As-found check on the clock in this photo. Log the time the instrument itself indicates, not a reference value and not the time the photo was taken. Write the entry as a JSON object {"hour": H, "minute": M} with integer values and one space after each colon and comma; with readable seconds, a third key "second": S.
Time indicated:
{"hour": 3, "minute": 27, "second": 23}
